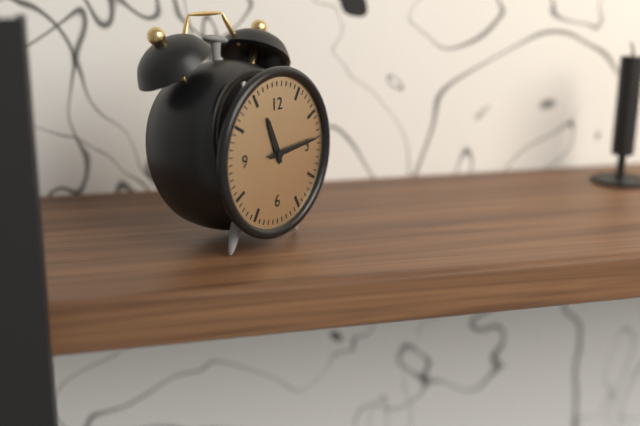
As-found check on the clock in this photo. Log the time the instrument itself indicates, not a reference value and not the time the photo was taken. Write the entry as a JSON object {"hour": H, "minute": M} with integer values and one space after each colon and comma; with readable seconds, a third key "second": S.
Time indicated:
{"hour": 11, "minute": 14}
